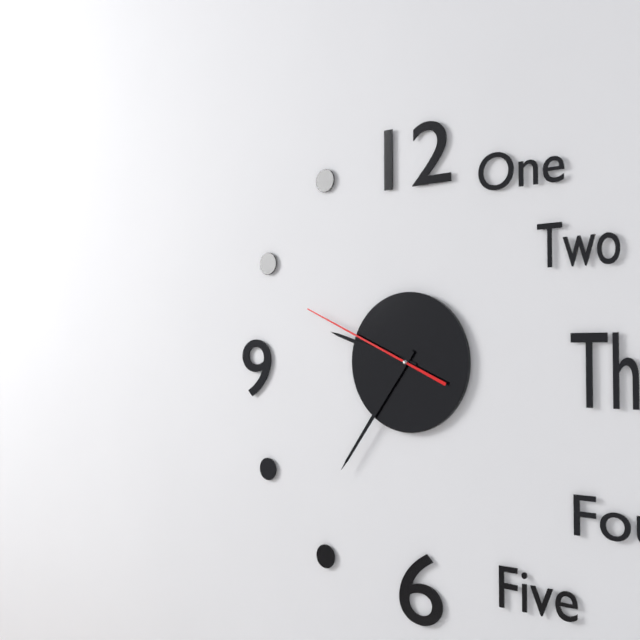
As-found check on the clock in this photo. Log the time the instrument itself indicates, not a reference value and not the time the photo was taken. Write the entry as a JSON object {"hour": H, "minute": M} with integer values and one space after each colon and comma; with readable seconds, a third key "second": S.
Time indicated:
{"hour": 9, "minute": 36, "second": 49}
